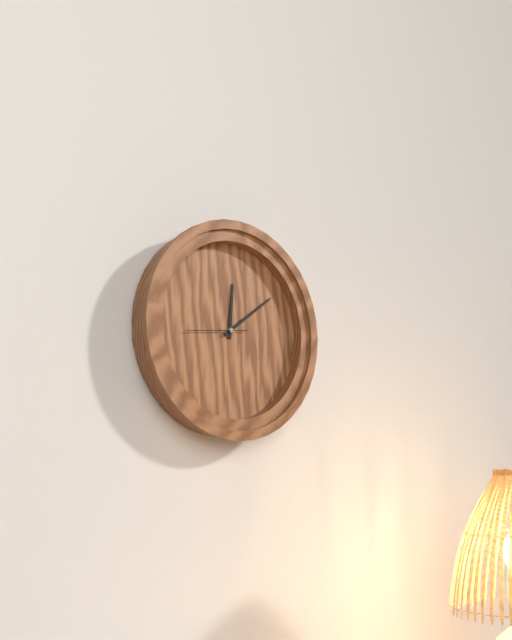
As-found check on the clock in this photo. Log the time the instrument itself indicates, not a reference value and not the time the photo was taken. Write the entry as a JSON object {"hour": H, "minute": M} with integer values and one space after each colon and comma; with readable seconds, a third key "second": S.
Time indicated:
{"hour": 12, "minute": 9, "second": 44}
